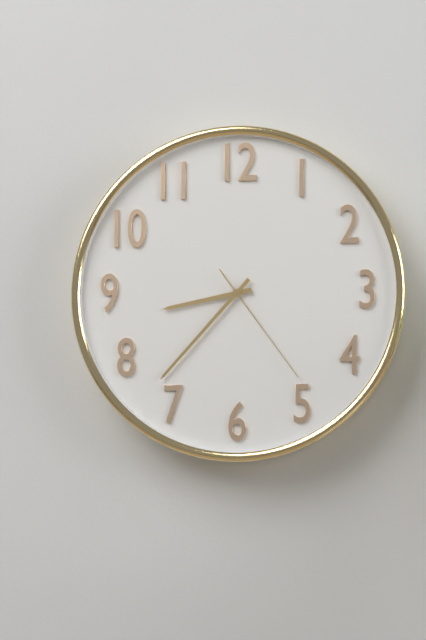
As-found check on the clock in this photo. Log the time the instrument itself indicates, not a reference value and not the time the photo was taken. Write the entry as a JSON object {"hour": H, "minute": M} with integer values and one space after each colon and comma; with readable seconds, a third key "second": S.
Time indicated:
{"hour": 8, "minute": 37, "second": 24}
